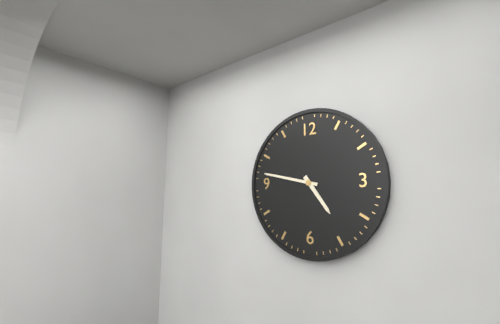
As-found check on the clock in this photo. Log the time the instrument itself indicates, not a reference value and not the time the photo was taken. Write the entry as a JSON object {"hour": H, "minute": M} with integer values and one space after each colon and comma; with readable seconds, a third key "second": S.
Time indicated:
{"hour": 4, "minute": 47}
